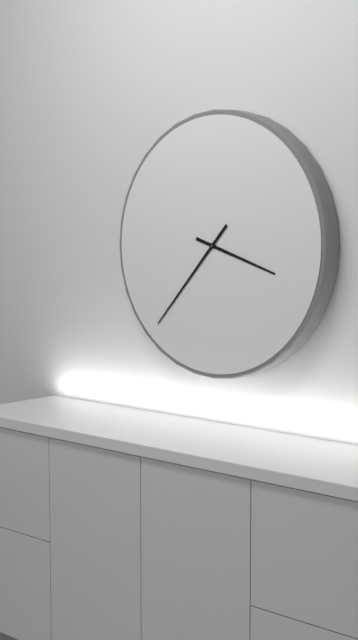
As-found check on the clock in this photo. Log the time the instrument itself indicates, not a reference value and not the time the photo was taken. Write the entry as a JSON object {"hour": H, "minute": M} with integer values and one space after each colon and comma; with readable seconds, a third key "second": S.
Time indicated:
{"hour": 3, "minute": 37}
